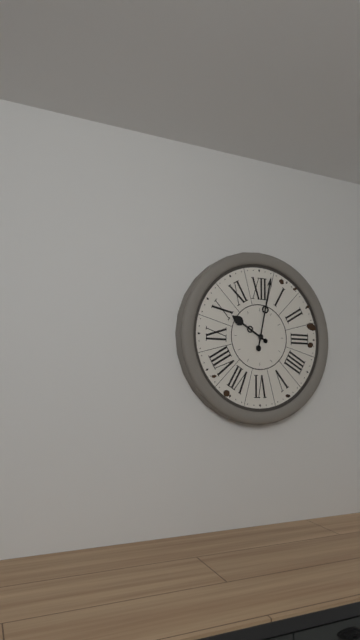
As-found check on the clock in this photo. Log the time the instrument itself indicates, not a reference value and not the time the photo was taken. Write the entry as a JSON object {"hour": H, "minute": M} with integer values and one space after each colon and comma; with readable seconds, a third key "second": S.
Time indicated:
{"hour": 10, "minute": 2}
